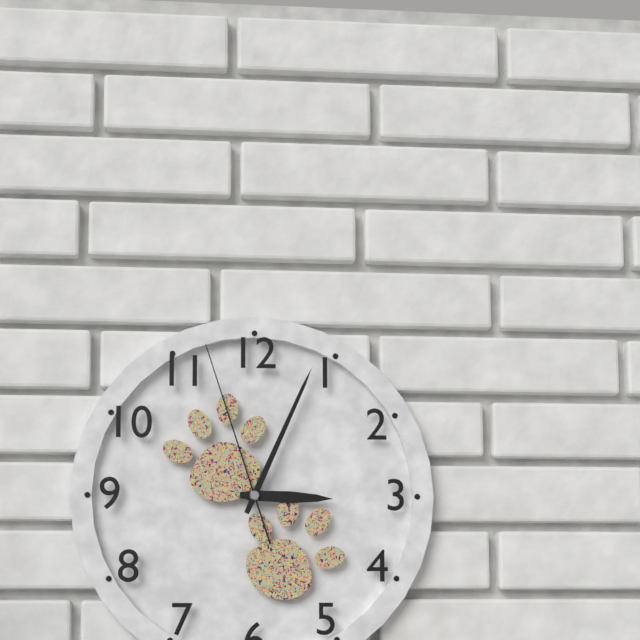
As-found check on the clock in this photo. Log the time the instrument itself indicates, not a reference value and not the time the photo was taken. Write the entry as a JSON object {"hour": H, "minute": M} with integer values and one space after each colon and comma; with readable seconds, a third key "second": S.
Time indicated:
{"hour": 3, "minute": 4, "second": 57}
